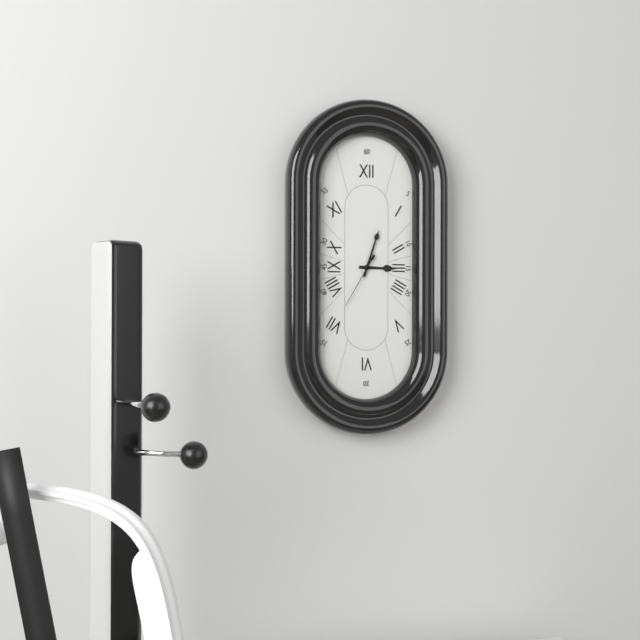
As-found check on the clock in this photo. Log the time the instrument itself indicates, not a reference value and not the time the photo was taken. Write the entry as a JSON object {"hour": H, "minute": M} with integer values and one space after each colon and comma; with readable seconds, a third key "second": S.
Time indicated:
{"hour": 3, "minute": 3, "second": 35}
